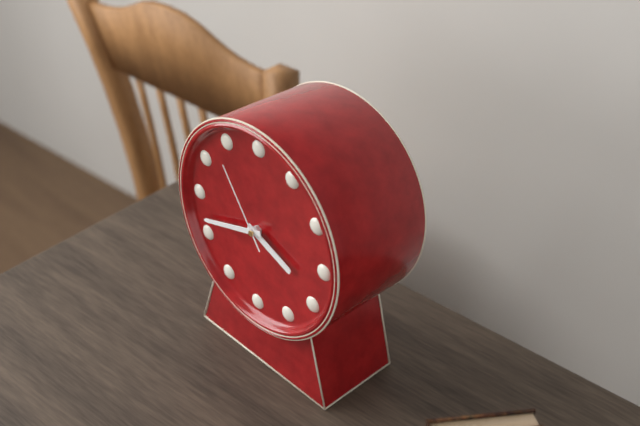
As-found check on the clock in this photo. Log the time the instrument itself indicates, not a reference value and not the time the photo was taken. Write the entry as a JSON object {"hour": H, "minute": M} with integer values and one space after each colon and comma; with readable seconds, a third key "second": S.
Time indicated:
{"hour": 3, "minute": 42, "second": 54}
